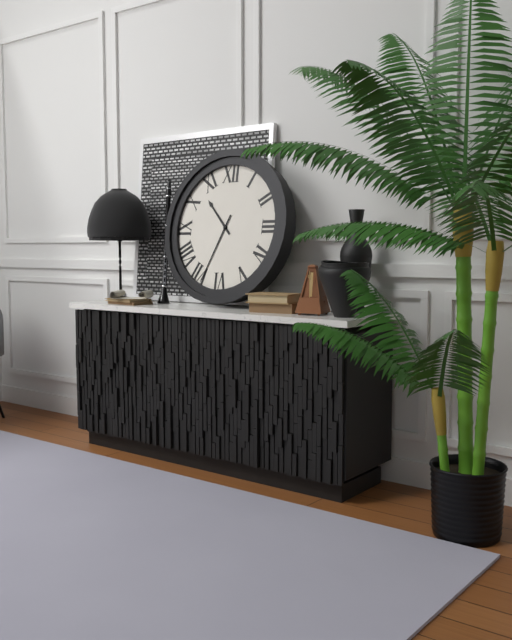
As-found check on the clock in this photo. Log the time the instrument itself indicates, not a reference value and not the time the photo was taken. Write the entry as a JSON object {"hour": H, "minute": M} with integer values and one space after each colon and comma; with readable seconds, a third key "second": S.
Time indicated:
{"hour": 10, "minute": 34}
